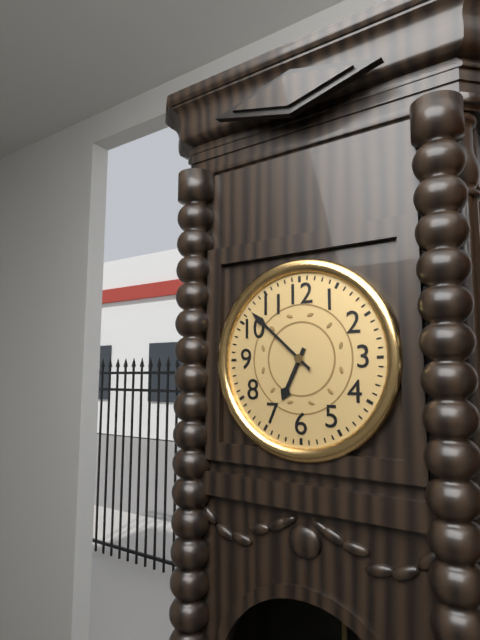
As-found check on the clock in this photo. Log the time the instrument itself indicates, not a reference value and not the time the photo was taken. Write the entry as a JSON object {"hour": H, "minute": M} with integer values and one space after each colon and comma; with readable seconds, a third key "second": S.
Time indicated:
{"hour": 6, "minute": 52}
